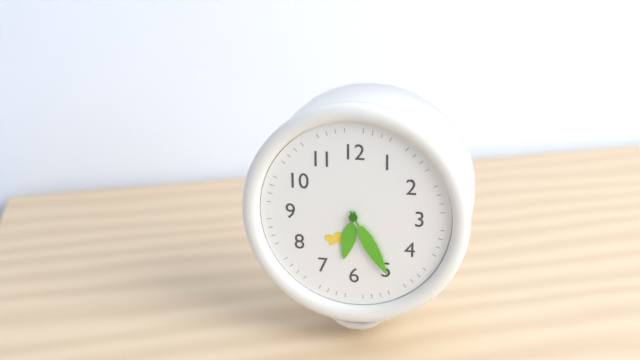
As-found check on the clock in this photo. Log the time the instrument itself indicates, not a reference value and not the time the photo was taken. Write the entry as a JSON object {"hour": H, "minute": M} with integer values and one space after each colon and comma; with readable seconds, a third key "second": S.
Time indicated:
{"hour": 6, "minute": 25}
